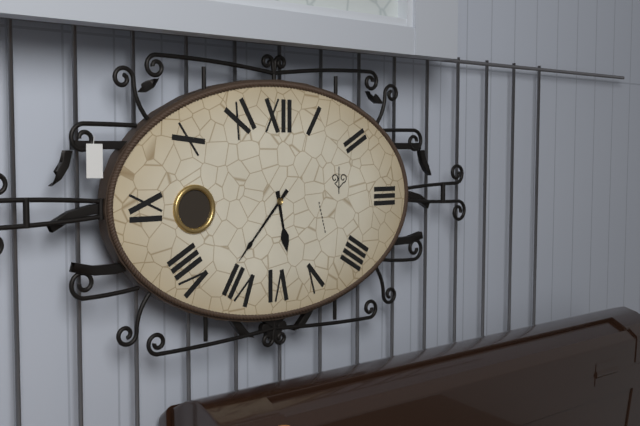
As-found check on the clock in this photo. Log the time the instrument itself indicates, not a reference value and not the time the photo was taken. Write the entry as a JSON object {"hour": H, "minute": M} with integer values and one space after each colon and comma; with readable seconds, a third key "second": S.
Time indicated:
{"hour": 5, "minute": 37}
